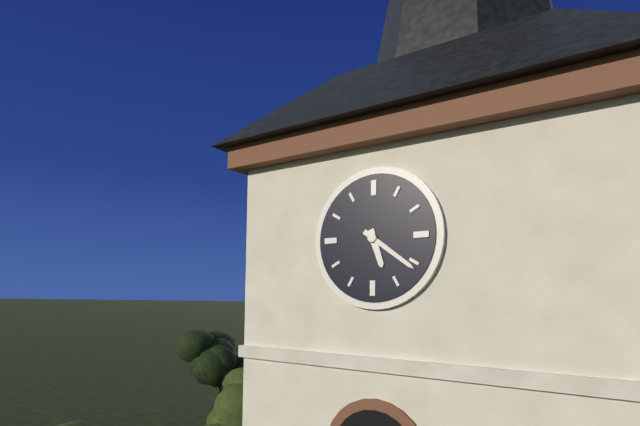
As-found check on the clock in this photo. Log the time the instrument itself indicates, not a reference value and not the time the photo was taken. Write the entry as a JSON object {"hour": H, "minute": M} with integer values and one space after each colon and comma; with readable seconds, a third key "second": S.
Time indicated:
{"hour": 5, "minute": 21}
